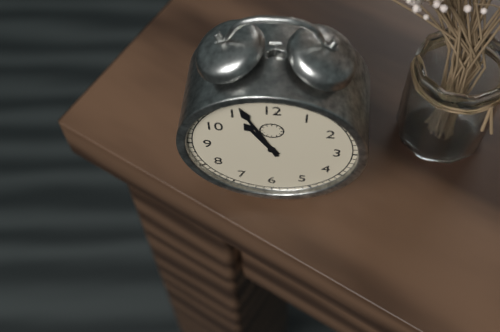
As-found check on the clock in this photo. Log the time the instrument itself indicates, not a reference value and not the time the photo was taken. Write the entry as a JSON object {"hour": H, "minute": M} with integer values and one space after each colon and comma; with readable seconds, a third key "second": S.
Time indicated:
{"hour": 10, "minute": 56}
